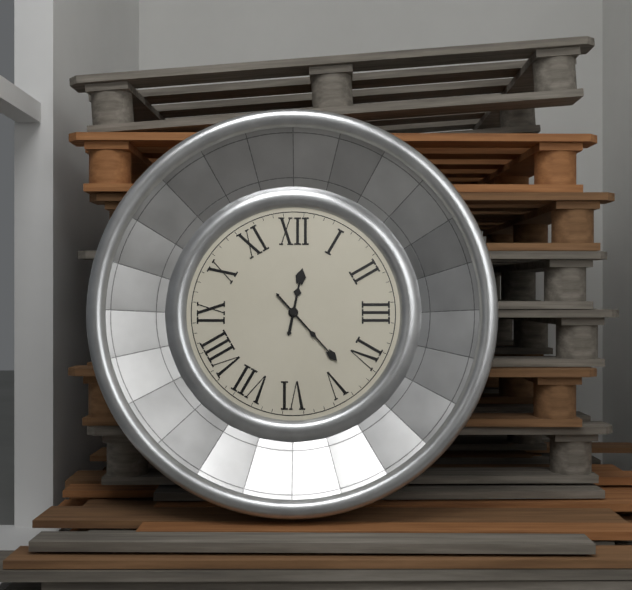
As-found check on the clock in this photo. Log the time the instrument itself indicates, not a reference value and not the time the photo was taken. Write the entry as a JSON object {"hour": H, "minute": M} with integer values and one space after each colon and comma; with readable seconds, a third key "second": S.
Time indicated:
{"hour": 12, "minute": 23}
